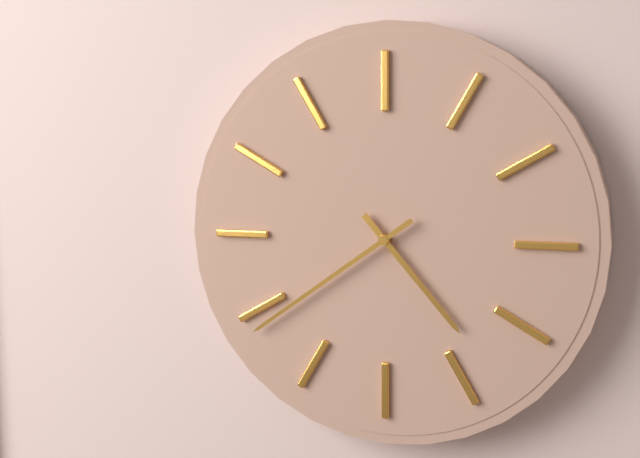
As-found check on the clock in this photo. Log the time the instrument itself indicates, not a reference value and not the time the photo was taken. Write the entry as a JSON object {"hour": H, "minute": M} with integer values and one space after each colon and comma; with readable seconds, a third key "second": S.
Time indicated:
{"hour": 4, "minute": 39}
